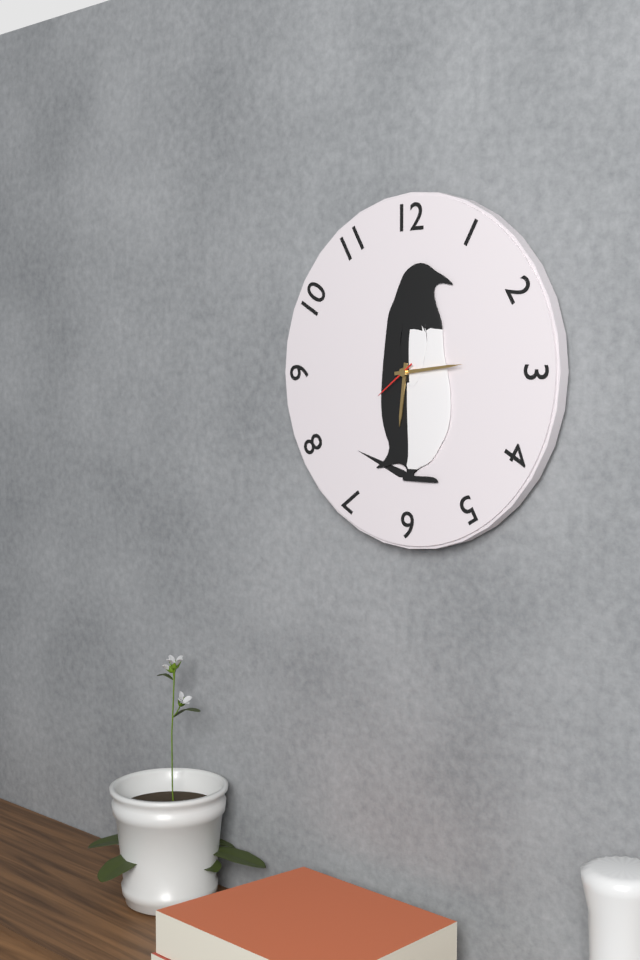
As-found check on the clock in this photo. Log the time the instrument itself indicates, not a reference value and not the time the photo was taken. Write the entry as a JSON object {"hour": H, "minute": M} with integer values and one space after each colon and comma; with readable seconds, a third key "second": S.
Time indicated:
{"hour": 6, "minute": 14, "second": 39}
